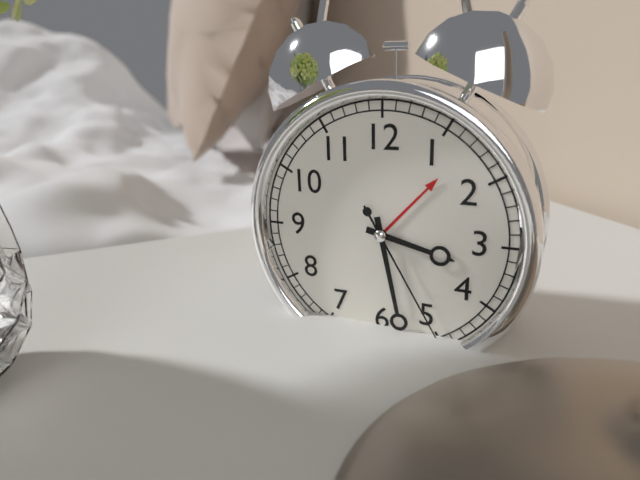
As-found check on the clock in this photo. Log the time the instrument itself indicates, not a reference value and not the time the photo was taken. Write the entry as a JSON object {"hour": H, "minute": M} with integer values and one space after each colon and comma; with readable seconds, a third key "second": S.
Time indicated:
{"hour": 3, "minute": 28, "second": 25}
